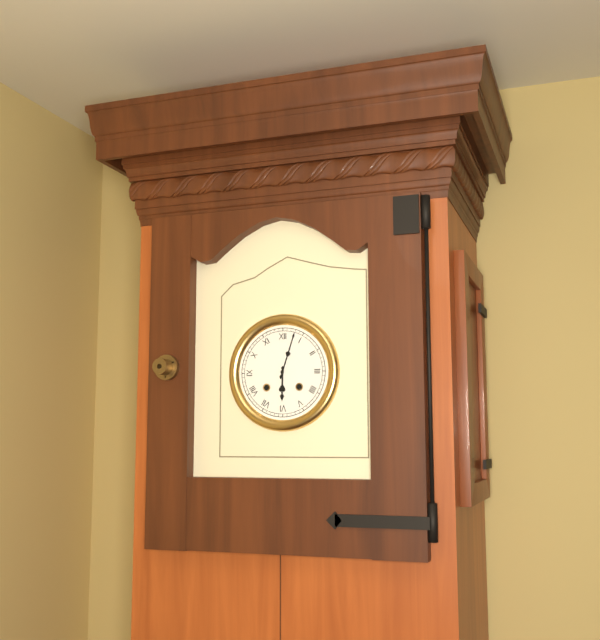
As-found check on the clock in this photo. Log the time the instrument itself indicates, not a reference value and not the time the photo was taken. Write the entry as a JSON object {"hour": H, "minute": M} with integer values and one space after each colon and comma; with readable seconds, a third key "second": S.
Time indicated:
{"hour": 6, "minute": 3}
